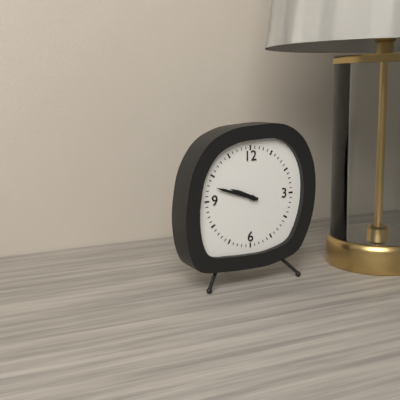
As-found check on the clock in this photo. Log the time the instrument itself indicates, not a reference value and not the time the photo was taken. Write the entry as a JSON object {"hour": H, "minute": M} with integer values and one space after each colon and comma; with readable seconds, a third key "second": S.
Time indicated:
{"hour": 9, "minute": 48}
